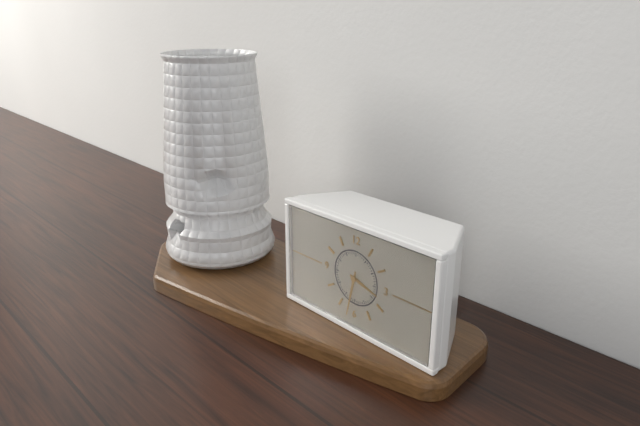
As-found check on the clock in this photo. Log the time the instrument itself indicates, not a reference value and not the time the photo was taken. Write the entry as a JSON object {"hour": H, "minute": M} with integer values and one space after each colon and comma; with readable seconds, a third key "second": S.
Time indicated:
{"hour": 3, "minute": 32}
